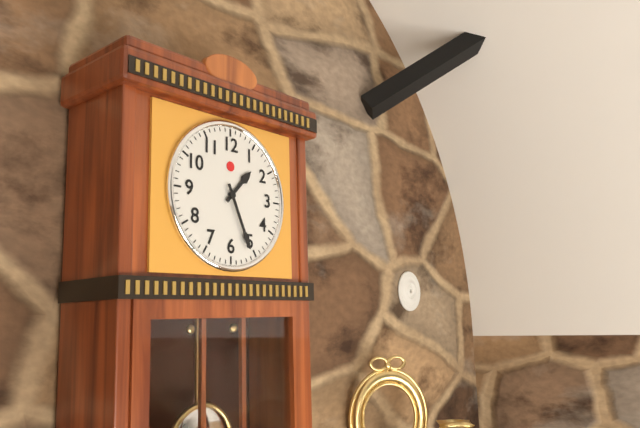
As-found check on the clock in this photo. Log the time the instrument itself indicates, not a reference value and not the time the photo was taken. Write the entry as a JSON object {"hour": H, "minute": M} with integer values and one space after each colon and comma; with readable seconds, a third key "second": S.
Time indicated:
{"hour": 1, "minute": 26}
